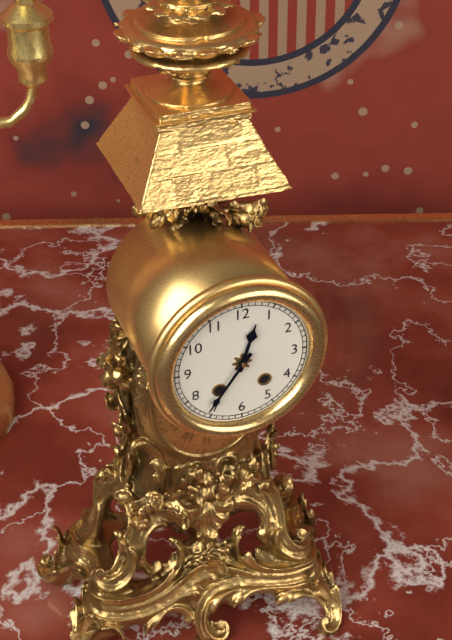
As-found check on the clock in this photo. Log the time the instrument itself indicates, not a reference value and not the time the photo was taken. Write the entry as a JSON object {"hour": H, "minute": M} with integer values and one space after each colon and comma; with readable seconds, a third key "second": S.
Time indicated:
{"hour": 12, "minute": 36}
